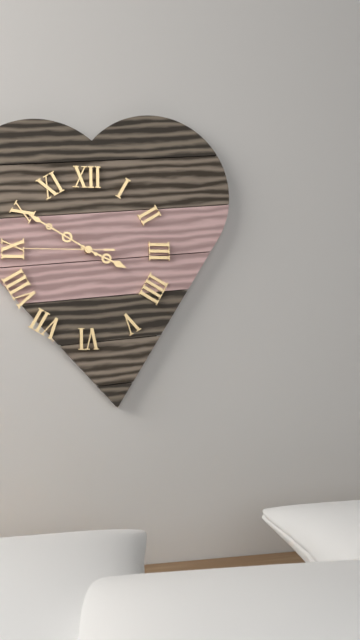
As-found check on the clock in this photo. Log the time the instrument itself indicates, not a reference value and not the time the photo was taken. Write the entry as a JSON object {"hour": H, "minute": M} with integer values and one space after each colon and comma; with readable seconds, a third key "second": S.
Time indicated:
{"hour": 3, "minute": 50, "second": 45}
